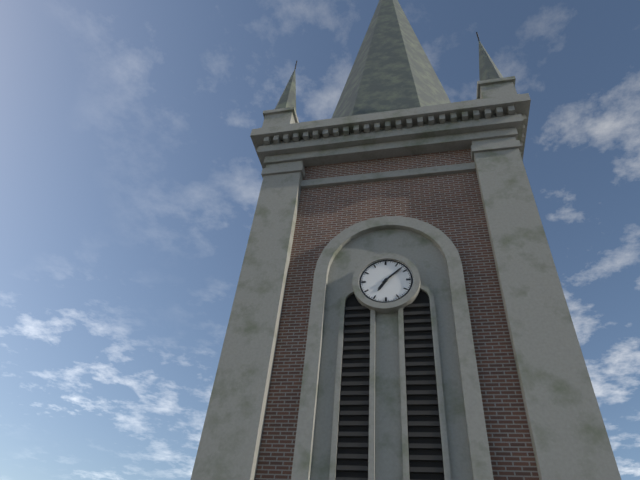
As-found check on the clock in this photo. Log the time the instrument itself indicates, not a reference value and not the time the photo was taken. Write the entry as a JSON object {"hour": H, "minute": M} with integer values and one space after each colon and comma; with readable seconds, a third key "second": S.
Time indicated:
{"hour": 7, "minute": 8}
